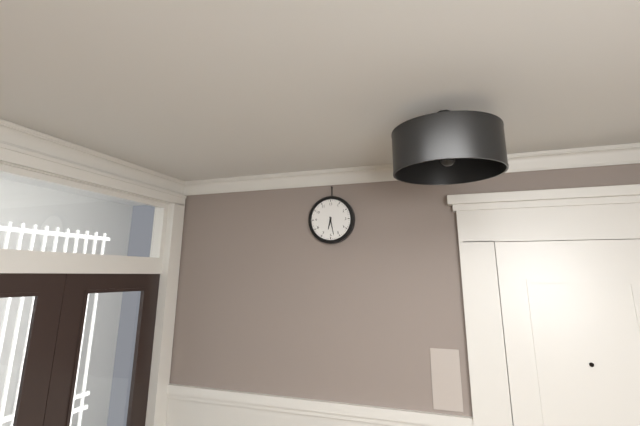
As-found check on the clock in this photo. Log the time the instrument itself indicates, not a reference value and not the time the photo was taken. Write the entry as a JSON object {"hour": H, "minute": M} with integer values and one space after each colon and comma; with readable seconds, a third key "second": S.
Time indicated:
{"hour": 6, "minute": 28}
